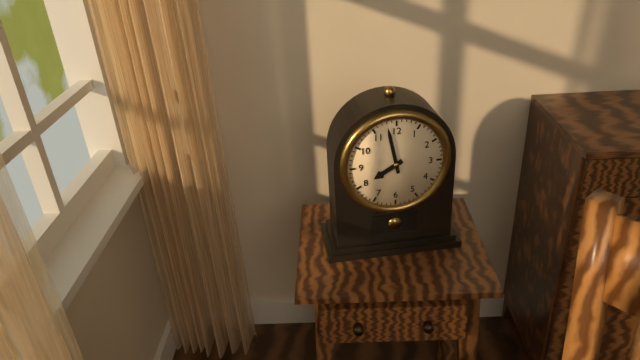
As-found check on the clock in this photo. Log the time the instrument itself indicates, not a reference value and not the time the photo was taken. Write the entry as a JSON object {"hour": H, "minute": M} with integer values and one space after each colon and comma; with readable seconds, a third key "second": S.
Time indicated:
{"hour": 7, "minute": 58}
